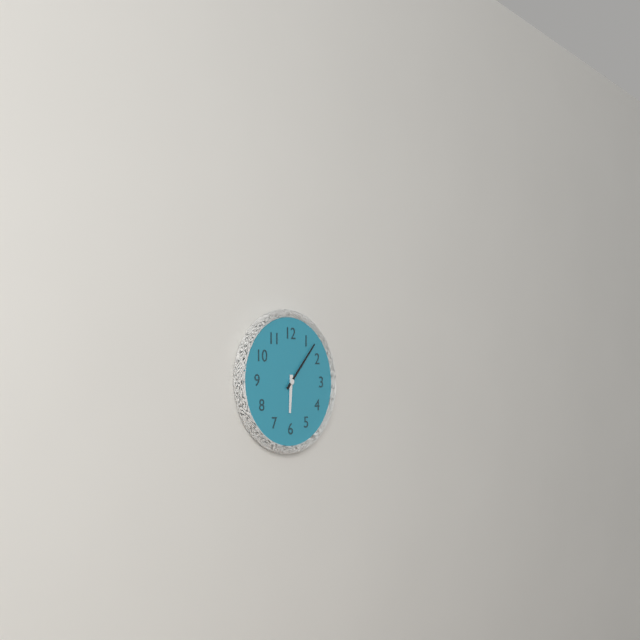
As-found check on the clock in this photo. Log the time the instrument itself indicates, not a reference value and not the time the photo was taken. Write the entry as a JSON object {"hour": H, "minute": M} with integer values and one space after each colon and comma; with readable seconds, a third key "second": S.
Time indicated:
{"hour": 6, "minute": 7}
